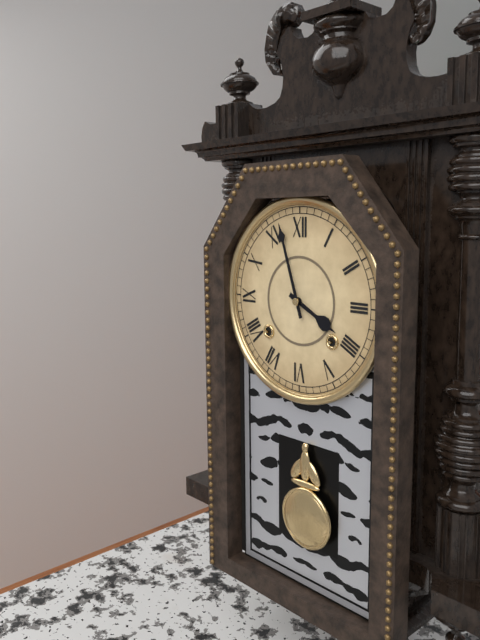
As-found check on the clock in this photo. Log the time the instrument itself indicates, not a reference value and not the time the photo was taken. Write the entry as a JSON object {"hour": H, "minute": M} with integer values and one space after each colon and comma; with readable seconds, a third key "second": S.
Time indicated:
{"hour": 3, "minute": 57}
